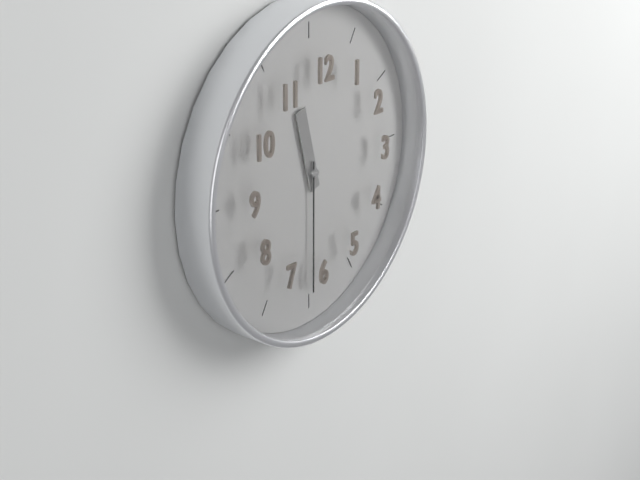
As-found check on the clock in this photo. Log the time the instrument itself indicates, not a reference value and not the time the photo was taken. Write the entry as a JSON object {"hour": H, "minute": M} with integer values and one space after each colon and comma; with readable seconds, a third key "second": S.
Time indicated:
{"hour": 11, "minute": 30}
